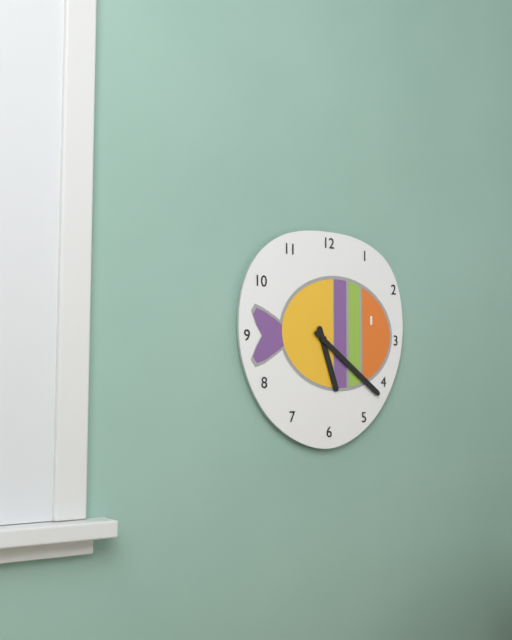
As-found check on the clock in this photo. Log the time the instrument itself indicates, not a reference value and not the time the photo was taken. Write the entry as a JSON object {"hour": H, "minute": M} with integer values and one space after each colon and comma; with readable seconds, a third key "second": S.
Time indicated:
{"hour": 5, "minute": 21}
